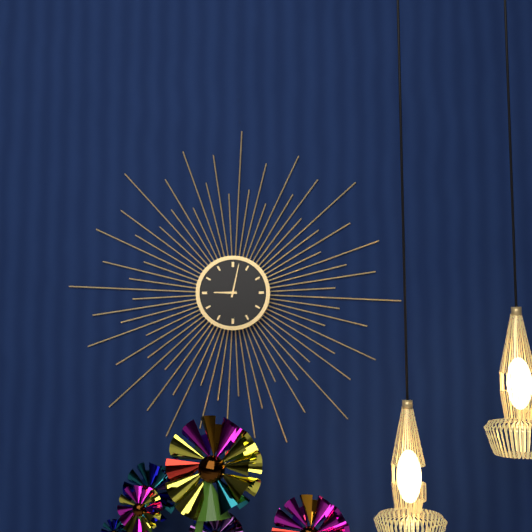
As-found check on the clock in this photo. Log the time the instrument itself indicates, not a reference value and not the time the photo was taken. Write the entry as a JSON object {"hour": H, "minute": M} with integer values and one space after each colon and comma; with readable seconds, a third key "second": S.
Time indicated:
{"hour": 9, "minute": 2}
